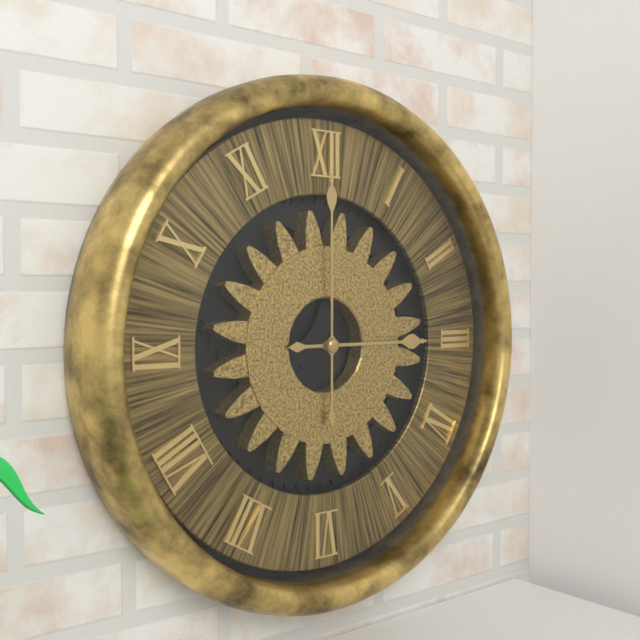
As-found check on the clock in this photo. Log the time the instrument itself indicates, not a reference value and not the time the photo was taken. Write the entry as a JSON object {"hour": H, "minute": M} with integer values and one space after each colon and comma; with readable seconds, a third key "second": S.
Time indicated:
{"hour": 3, "minute": 0}
